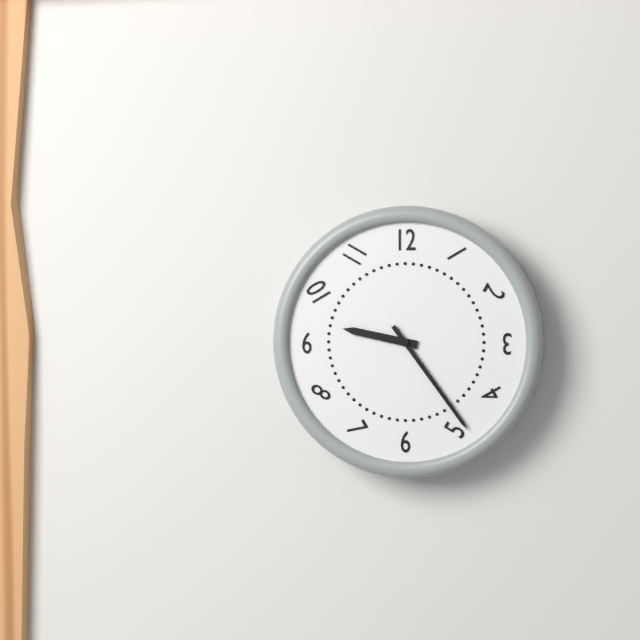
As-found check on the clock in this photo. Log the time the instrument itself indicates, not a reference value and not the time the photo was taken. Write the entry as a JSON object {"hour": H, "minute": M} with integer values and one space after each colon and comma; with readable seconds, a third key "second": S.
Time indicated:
{"hour": 9, "minute": 24}
